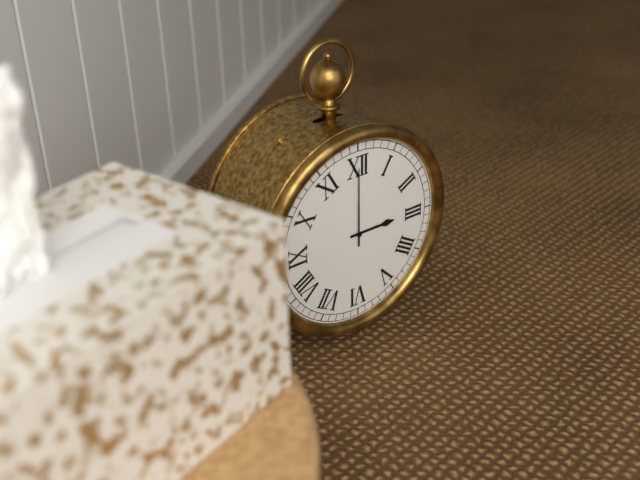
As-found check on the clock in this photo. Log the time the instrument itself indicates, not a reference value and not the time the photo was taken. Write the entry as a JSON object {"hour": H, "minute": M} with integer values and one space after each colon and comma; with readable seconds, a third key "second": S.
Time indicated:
{"hour": 3, "minute": 0}
